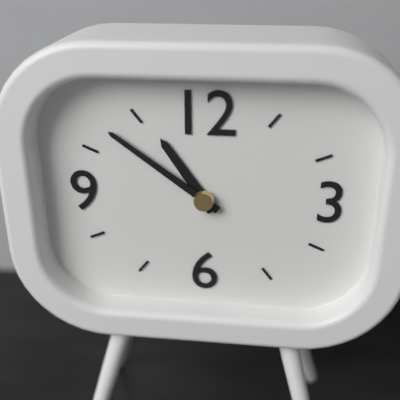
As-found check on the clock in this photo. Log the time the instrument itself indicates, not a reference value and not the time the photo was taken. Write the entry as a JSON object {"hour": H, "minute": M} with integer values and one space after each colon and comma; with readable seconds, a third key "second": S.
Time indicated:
{"hour": 10, "minute": 51}
